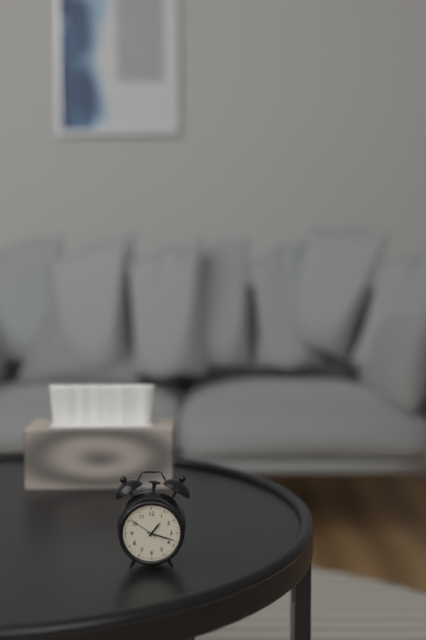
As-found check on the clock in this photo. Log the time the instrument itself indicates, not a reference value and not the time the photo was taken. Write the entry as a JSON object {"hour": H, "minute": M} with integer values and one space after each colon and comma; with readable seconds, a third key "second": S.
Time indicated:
{"hour": 1, "minute": 18}
